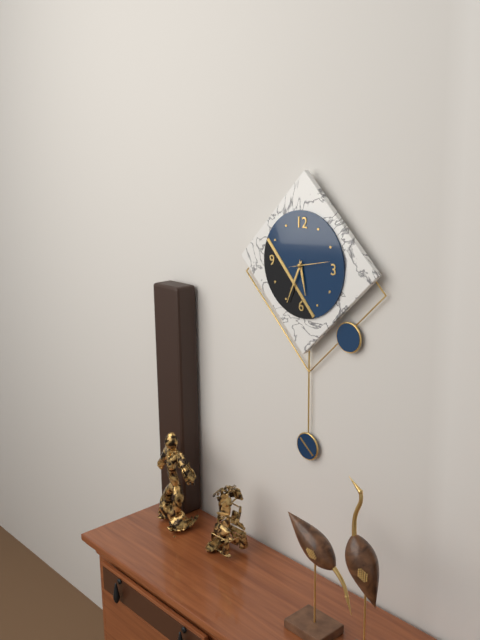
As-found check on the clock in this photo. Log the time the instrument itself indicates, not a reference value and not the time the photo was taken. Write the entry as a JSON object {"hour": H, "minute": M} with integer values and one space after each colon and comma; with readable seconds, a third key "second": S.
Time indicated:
{"hour": 5, "minute": 34}
